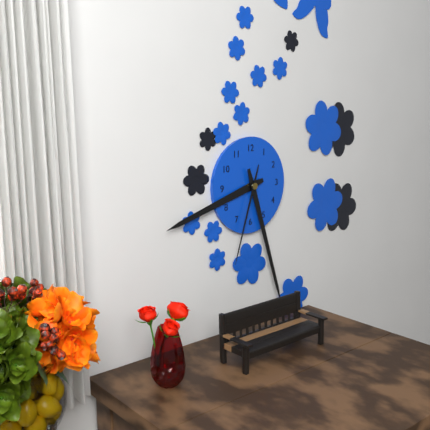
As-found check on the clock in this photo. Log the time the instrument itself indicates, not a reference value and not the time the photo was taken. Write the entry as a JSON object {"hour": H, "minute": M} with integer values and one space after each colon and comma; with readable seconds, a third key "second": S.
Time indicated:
{"hour": 8, "minute": 27, "second": 33}
